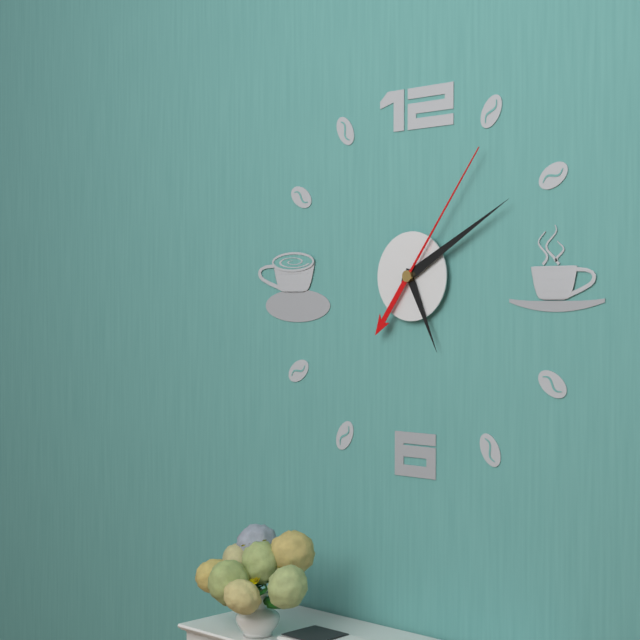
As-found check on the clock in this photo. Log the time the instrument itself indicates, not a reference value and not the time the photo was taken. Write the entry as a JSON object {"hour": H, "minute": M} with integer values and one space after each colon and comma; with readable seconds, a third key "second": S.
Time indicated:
{"hour": 5, "minute": 10, "second": 6}
